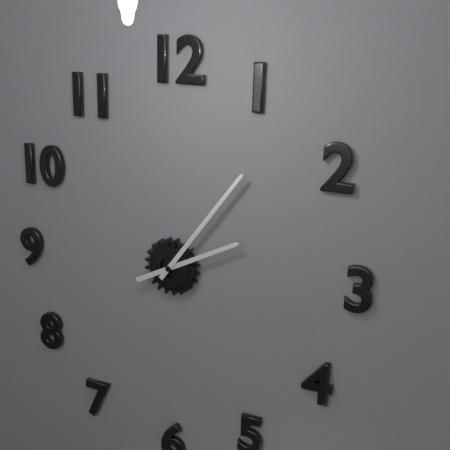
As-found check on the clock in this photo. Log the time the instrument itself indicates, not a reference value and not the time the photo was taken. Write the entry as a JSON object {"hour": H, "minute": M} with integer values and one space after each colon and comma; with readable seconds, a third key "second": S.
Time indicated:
{"hour": 2, "minute": 6}
